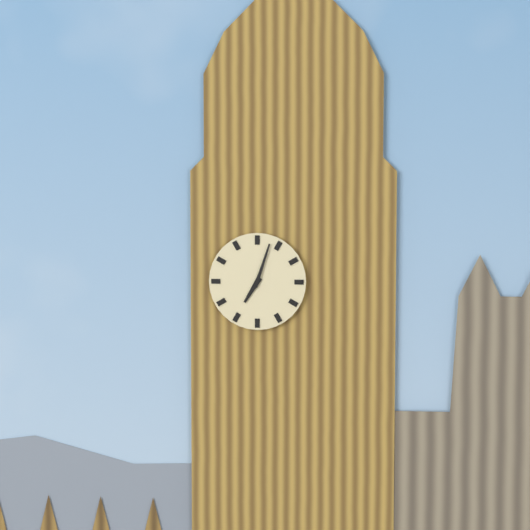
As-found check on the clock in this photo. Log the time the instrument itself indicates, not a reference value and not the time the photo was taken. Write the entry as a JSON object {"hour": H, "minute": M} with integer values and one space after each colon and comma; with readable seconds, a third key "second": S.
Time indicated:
{"hour": 7, "minute": 3}
